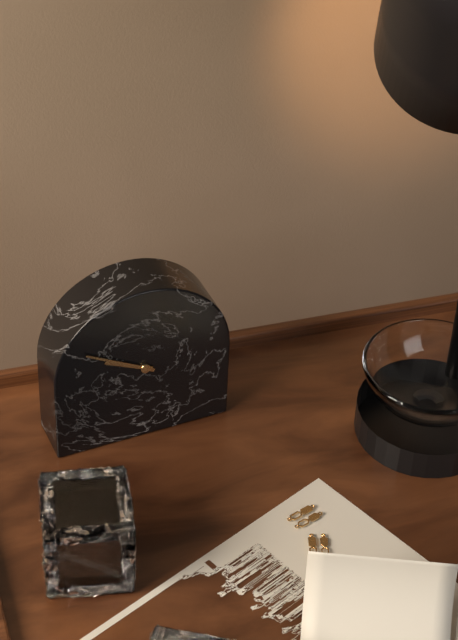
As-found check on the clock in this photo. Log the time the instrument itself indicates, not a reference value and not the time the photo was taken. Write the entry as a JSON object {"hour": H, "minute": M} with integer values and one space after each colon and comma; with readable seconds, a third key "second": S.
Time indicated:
{"hour": 9, "minute": 50}
